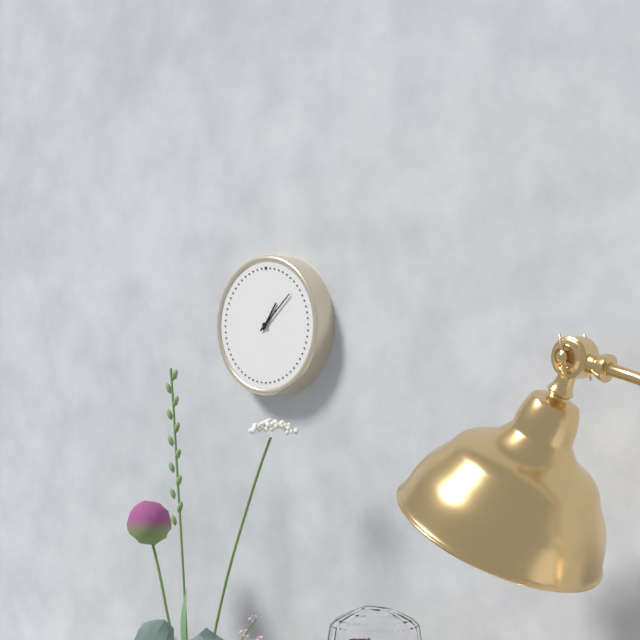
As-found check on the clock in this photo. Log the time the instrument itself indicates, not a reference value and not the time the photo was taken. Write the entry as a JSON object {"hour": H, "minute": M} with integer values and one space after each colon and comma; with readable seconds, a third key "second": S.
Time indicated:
{"hour": 1, "minute": 8}
